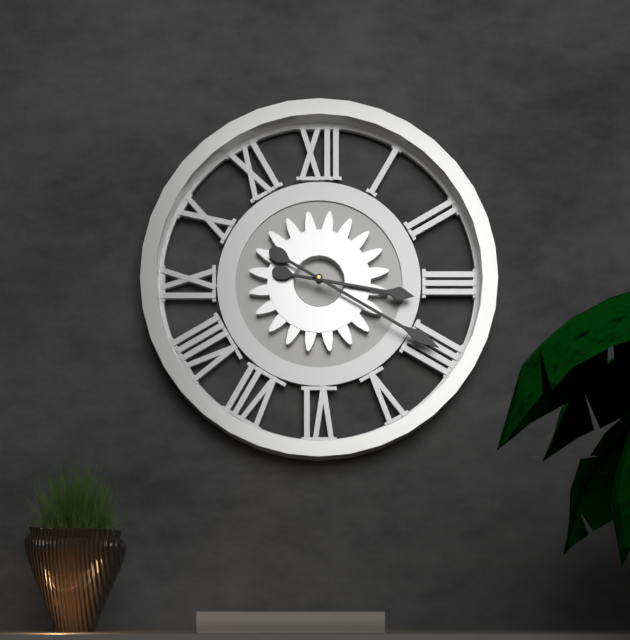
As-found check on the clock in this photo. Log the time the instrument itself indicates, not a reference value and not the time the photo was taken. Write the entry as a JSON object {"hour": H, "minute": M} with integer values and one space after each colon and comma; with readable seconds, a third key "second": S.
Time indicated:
{"hour": 3, "minute": 20}
